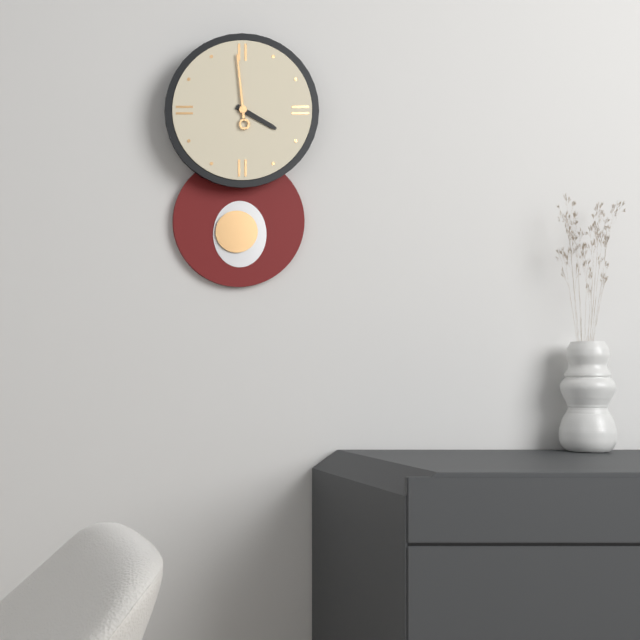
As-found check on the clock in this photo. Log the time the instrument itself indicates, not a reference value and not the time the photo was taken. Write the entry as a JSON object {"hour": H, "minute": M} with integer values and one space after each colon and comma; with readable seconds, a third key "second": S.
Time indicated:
{"hour": 3, "minute": 59}
